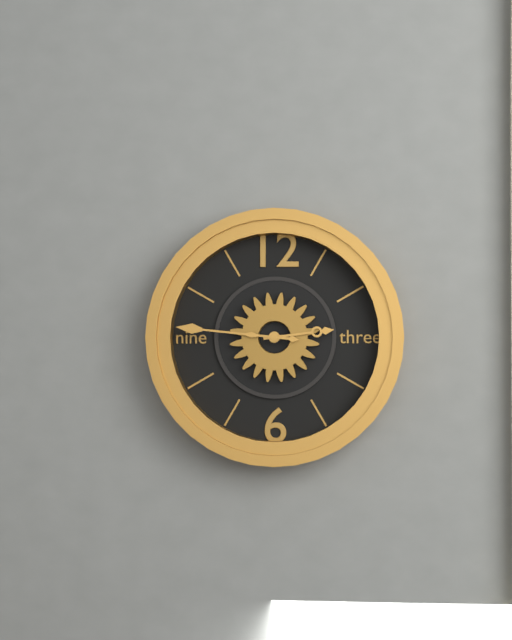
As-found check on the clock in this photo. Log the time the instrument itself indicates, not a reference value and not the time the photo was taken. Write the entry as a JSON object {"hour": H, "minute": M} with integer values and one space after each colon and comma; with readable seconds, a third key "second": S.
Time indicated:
{"hour": 2, "minute": 46}
